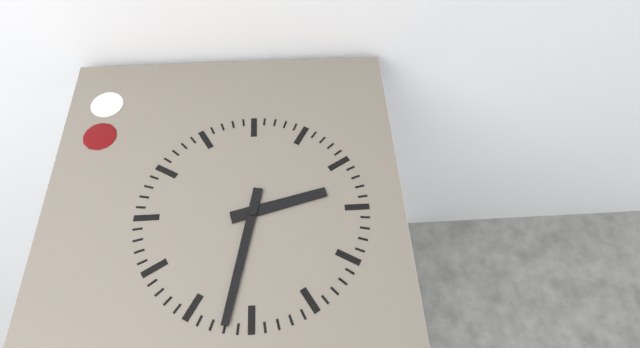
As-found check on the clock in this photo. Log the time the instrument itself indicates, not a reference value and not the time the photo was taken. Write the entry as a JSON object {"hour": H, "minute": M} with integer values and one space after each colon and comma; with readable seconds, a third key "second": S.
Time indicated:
{"hour": 2, "minute": 32}
